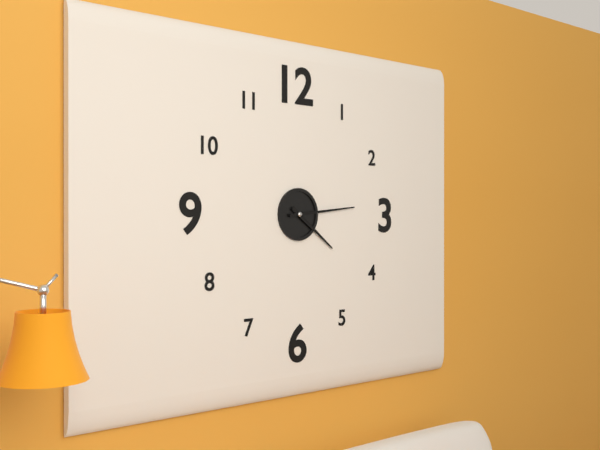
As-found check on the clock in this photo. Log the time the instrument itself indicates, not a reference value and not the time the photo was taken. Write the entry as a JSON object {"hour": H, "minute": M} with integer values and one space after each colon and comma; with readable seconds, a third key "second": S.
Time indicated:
{"hour": 4, "minute": 14}
